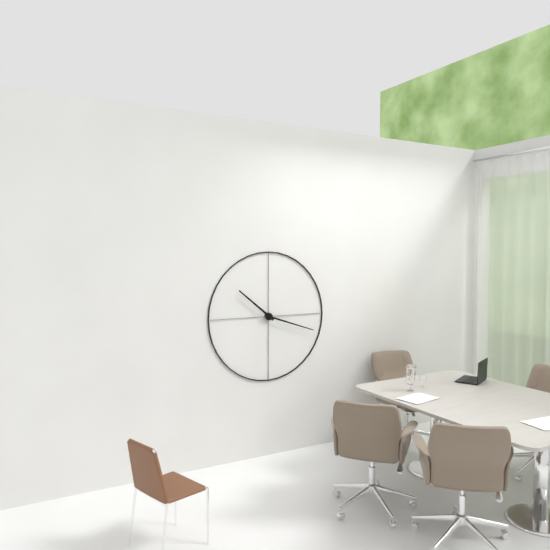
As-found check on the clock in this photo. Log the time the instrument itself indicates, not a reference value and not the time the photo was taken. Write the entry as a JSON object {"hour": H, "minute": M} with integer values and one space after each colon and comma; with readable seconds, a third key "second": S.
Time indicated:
{"hour": 10, "minute": 18}
